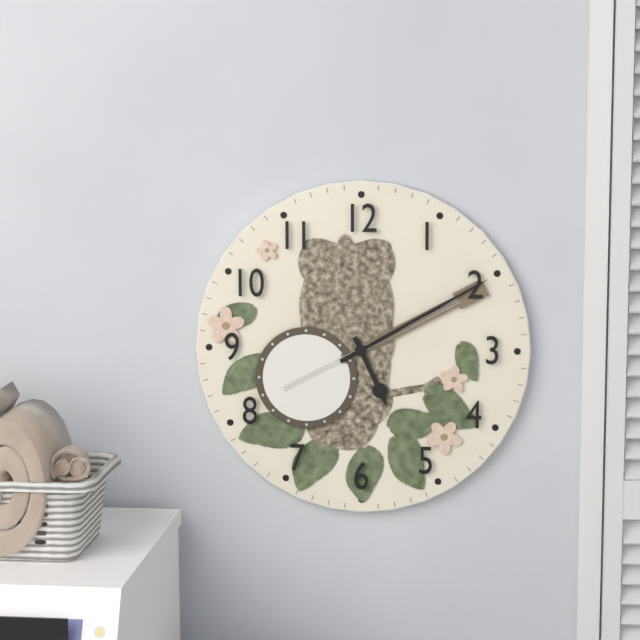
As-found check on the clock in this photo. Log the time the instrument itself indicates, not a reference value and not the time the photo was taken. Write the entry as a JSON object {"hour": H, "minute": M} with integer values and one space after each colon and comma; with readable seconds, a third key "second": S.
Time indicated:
{"hour": 5, "minute": 10}
